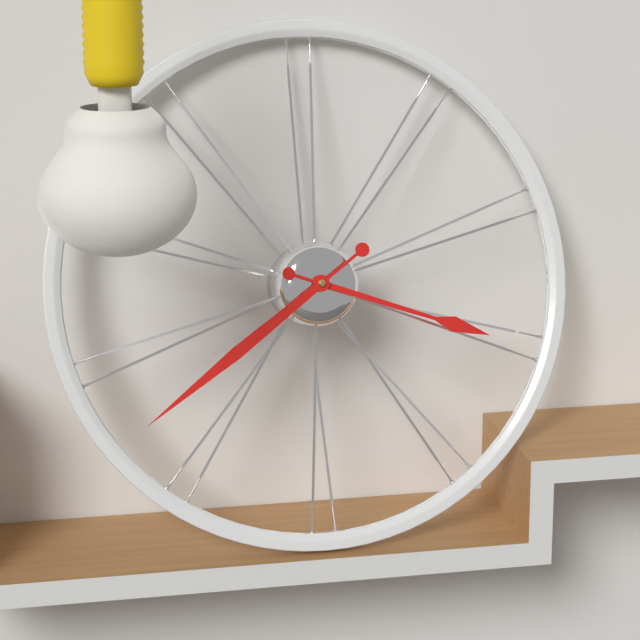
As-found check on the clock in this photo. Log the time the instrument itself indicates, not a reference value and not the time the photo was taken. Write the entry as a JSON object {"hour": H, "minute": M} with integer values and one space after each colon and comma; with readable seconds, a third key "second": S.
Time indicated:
{"hour": 3, "minute": 39}
